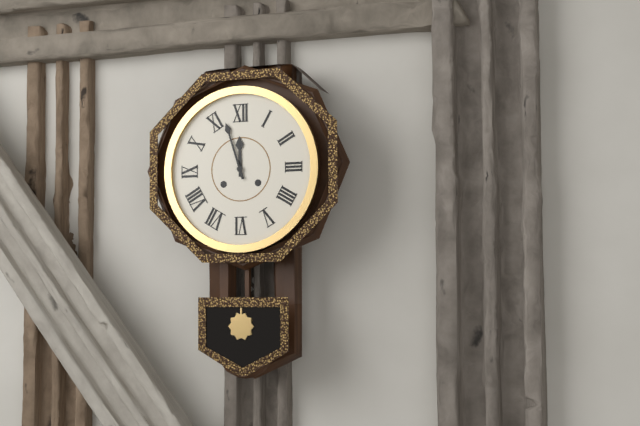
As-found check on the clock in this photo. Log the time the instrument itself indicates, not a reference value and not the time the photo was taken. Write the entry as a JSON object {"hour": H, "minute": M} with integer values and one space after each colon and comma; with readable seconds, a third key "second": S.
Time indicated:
{"hour": 11, "minute": 57}
